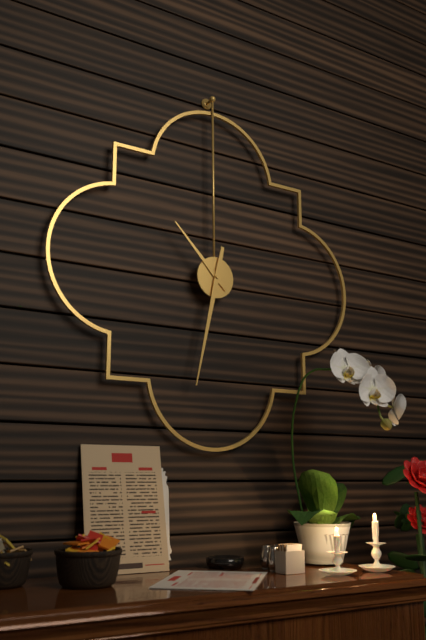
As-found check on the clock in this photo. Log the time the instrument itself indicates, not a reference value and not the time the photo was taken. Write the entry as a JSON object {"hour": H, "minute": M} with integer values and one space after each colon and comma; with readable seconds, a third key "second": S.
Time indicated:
{"hour": 10, "minute": 32}
